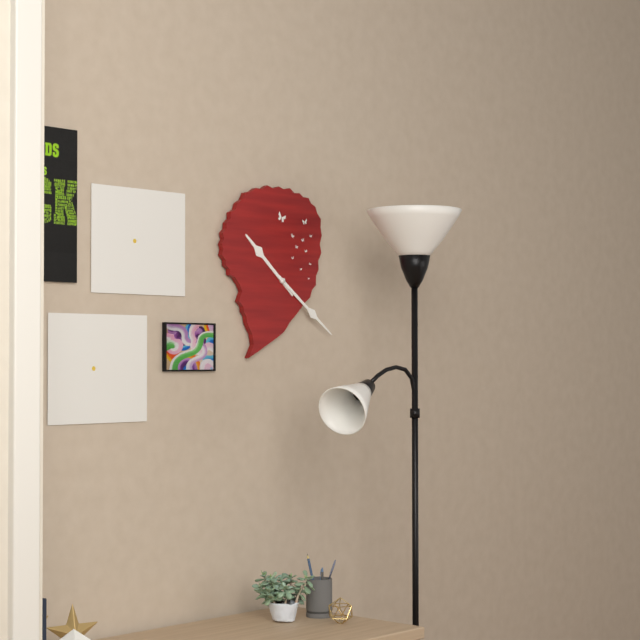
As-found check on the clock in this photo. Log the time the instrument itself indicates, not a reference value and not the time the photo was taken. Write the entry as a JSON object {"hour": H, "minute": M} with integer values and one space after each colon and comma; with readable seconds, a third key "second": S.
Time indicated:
{"hour": 10, "minute": 21}
